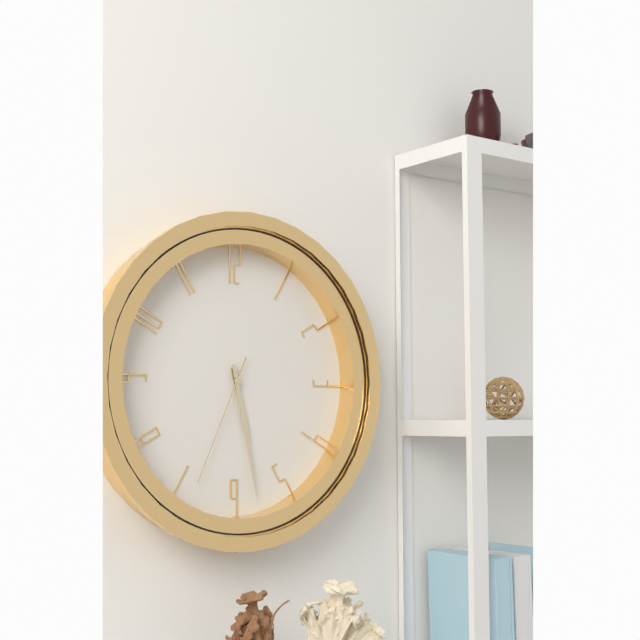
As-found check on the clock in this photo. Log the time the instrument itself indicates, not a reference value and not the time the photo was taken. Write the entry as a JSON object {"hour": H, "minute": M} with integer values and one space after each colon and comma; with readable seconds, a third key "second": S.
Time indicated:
{"hour": 5, "minute": 28, "second": 34}
